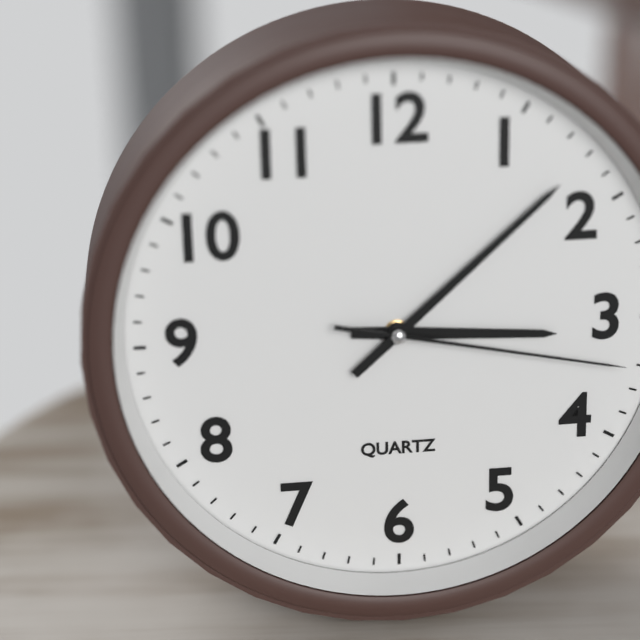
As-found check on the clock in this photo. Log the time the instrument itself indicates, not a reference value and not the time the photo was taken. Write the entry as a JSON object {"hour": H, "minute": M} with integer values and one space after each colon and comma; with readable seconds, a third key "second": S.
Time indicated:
{"hour": 3, "minute": 8, "second": 17}
